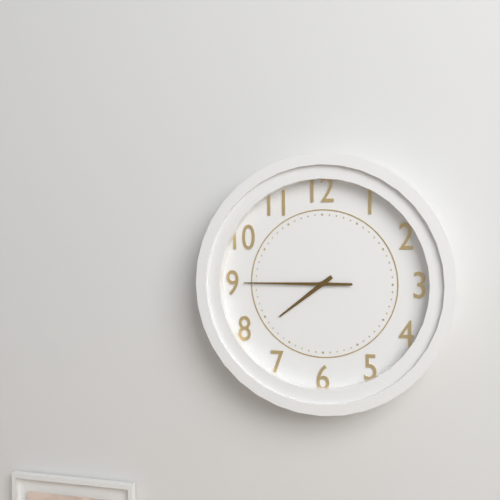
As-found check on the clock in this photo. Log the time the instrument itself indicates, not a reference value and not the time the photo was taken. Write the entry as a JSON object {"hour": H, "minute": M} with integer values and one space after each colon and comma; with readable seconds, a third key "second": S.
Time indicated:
{"hour": 7, "minute": 45}
